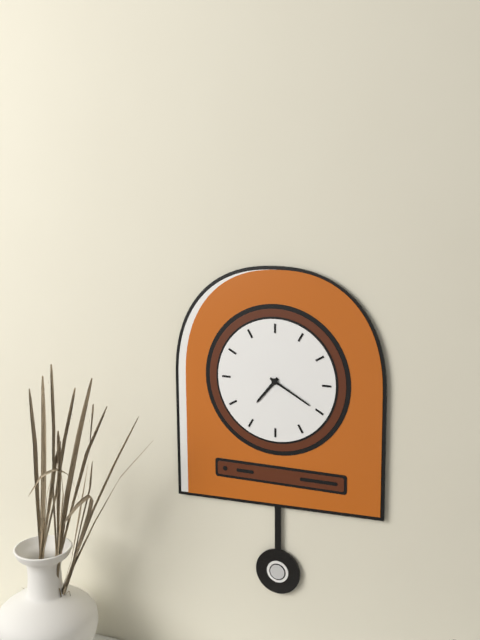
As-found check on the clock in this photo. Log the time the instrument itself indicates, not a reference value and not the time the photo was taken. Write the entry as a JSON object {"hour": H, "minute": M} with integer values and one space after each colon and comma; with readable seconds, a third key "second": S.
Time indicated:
{"hour": 7, "minute": 20}
